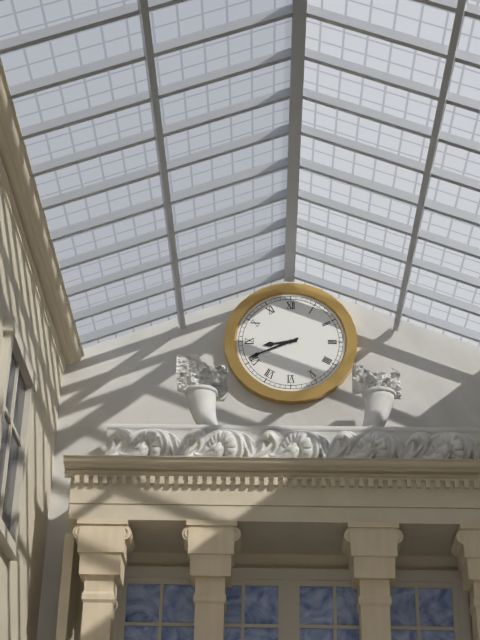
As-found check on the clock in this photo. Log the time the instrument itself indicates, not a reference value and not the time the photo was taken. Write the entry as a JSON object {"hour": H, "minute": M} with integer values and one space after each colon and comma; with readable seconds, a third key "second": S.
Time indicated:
{"hour": 8, "minute": 41}
